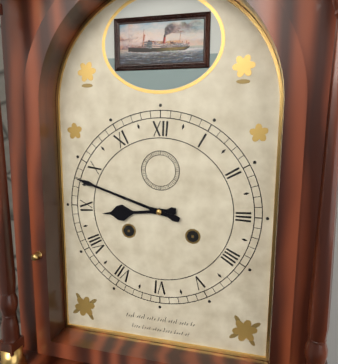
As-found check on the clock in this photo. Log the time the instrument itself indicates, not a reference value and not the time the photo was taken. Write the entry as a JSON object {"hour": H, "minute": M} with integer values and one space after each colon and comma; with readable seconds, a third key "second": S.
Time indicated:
{"hour": 8, "minute": 48}
